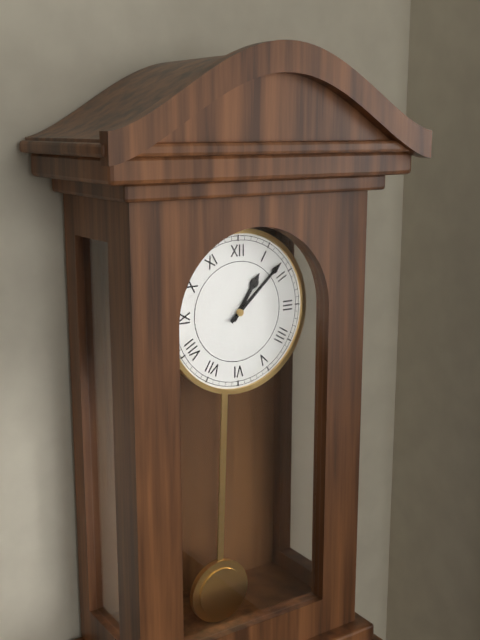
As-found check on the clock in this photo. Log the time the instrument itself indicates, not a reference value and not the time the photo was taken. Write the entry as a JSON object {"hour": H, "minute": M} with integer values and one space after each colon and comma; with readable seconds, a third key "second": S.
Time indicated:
{"hour": 1, "minute": 8}
